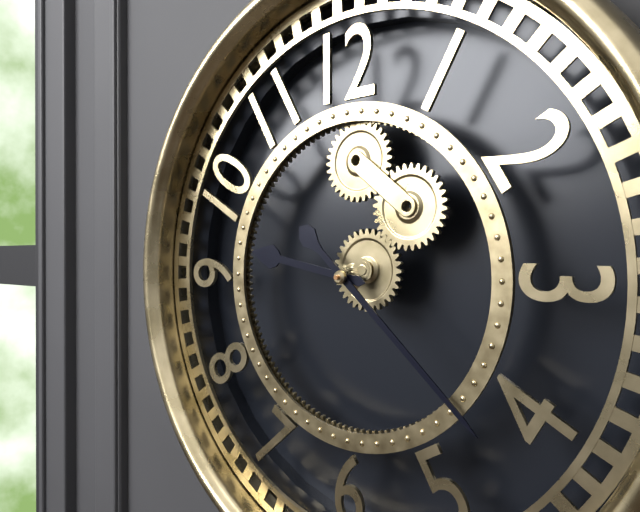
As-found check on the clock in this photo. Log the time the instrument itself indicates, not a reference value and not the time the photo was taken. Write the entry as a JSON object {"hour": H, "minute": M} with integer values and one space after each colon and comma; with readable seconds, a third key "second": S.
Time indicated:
{"hour": 9, "minute": 22}
